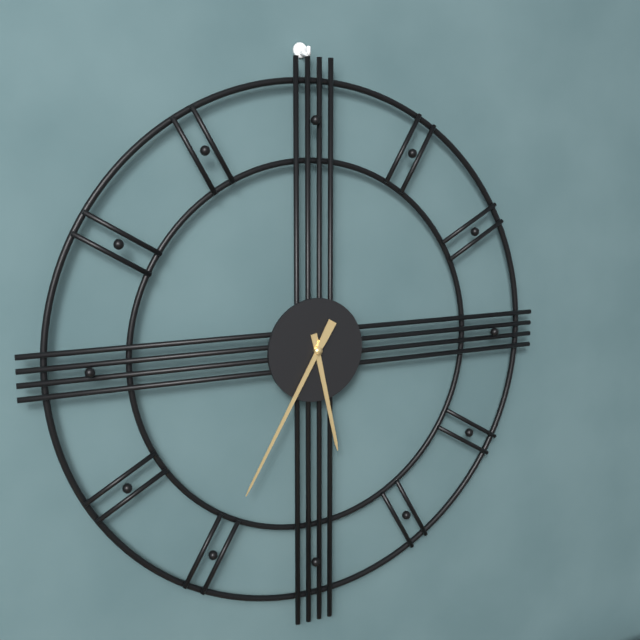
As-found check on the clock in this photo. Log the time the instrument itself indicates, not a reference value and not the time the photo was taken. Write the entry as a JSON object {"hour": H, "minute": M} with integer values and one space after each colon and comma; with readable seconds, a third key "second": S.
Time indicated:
{"hour": 5, "minute": 35}
